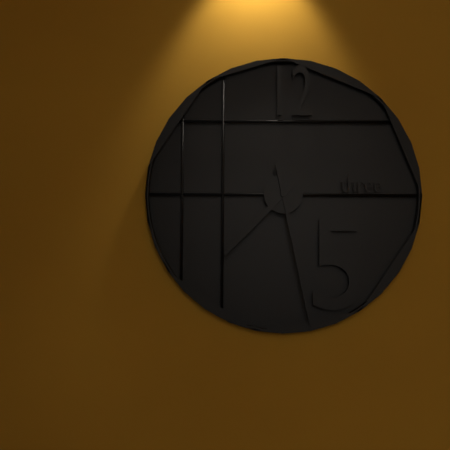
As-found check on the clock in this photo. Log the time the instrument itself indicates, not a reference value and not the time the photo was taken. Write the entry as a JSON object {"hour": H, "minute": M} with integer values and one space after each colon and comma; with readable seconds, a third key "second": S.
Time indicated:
{"hour": 7, "minute": 28}
